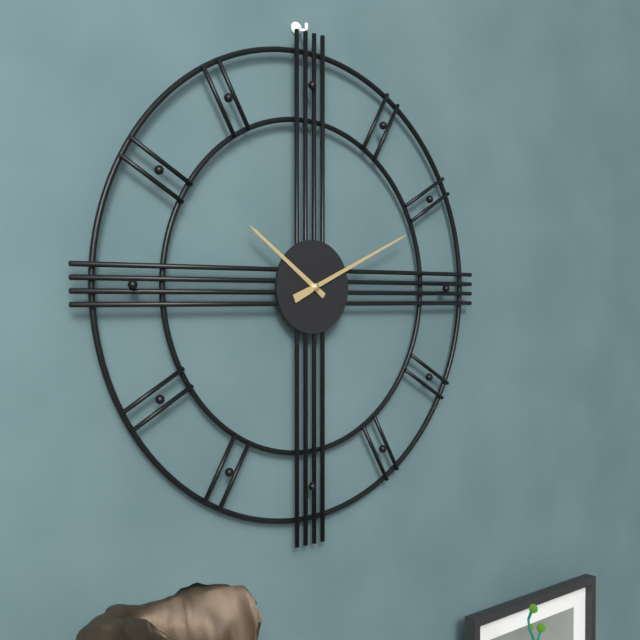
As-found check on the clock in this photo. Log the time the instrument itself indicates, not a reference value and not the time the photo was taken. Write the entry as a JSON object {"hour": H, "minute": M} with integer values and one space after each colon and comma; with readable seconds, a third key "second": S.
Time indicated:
{"hour": 10, "minute": 11}
